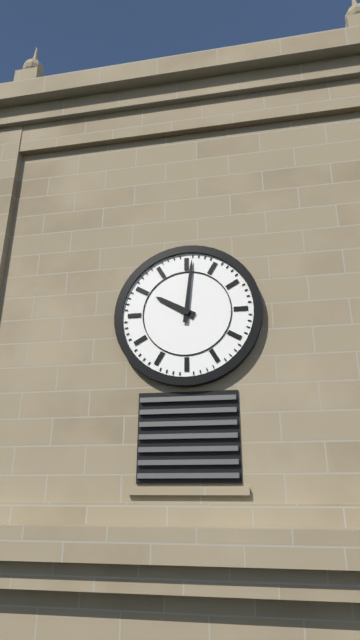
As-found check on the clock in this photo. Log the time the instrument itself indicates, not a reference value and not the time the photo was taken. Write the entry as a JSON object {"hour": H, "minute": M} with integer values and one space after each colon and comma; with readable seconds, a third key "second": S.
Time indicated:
{"hour": 10, "minute": 1}
